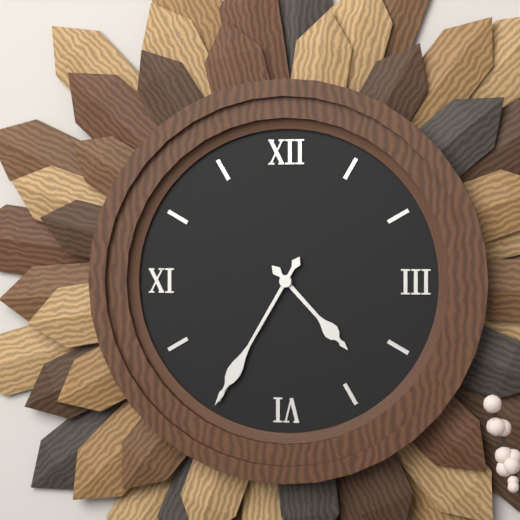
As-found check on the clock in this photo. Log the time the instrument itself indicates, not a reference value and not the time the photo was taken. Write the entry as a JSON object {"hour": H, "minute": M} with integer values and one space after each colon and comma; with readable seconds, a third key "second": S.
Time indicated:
{"hour": 4, "minute": 35}
